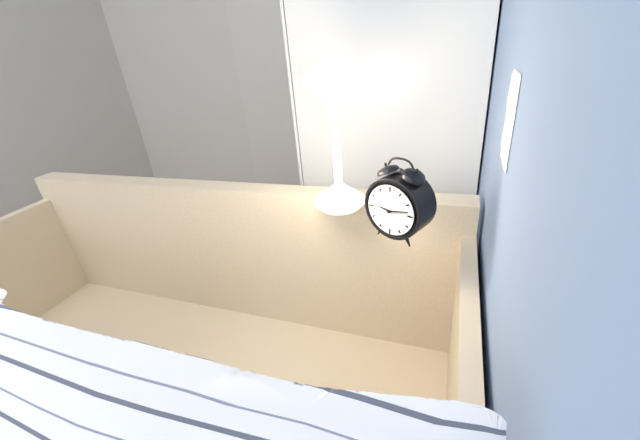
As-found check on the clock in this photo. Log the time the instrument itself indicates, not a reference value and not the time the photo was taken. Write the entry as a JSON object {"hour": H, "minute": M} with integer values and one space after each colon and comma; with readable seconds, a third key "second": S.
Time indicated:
{"hour": 9, "minute": 13}
